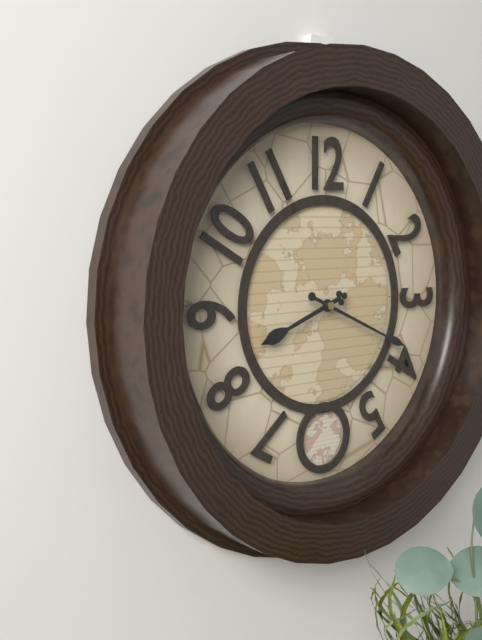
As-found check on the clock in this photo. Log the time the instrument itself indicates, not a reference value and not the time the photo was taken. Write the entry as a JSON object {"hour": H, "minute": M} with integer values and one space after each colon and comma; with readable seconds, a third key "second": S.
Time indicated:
{"hour": 8, "minute": 19}
